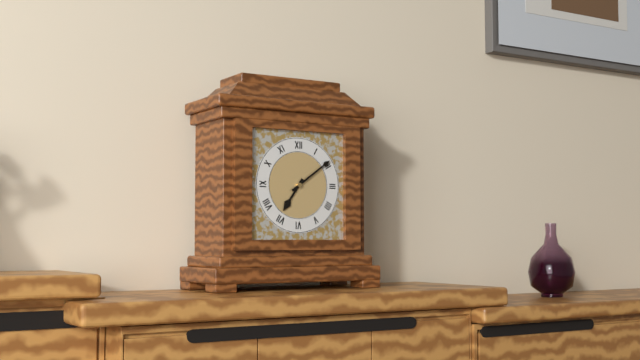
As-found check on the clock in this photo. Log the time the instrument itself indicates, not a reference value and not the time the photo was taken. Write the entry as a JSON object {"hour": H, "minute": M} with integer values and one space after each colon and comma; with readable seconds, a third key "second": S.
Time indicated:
{"hour": 7, "minute": 9}
